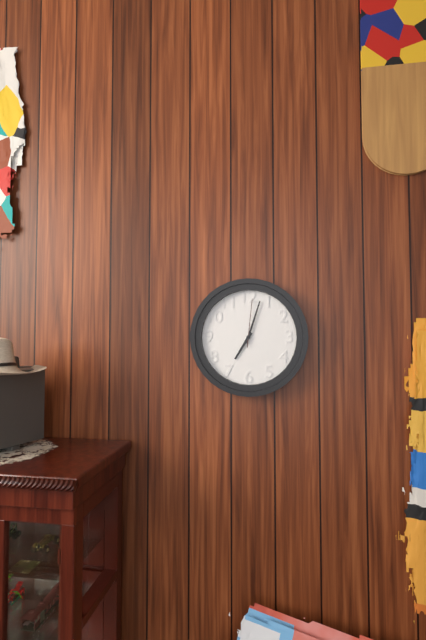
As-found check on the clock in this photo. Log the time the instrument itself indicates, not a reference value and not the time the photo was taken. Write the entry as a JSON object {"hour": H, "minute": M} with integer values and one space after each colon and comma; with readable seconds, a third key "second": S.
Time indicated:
{"hour": 7, "minute": 3}
